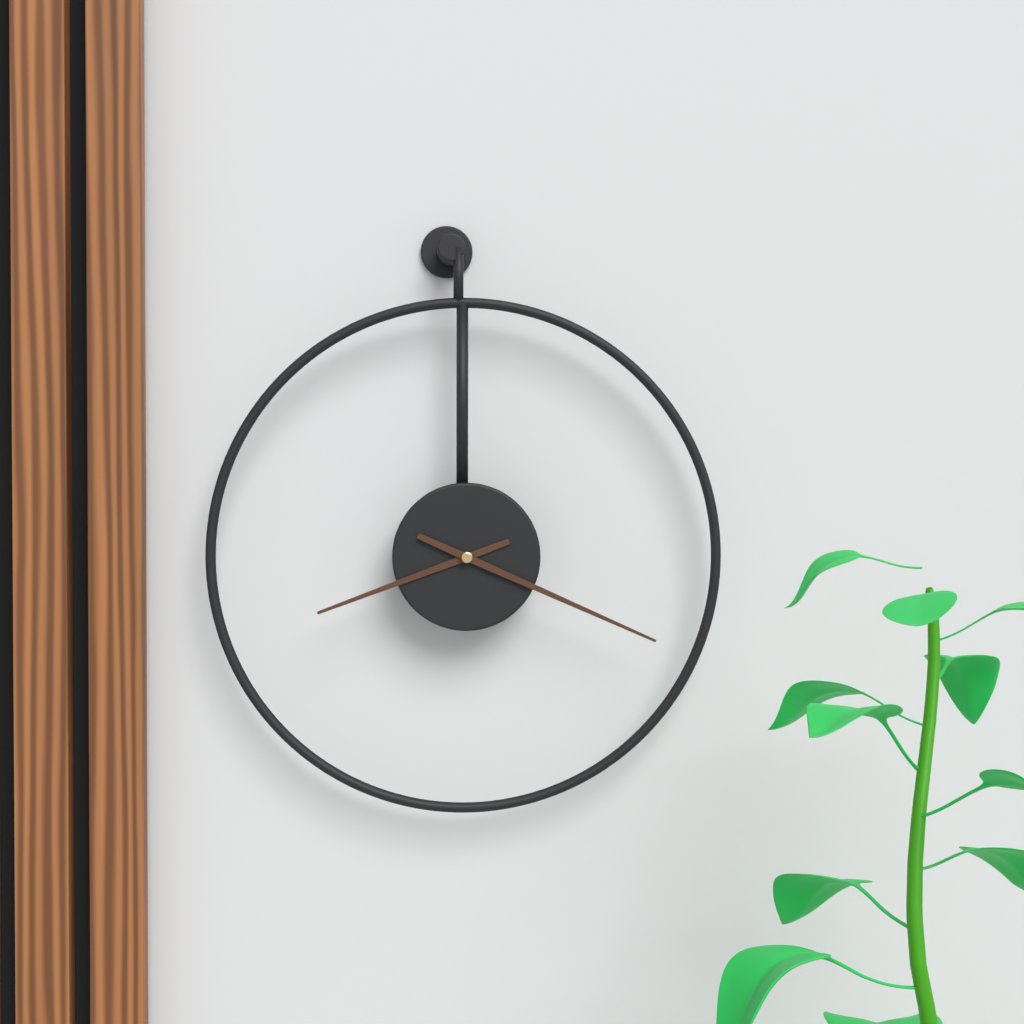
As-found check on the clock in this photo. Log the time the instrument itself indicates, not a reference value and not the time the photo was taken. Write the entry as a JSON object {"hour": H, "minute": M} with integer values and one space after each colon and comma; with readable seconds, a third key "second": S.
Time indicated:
{"hour": 8, "minute": 19}
